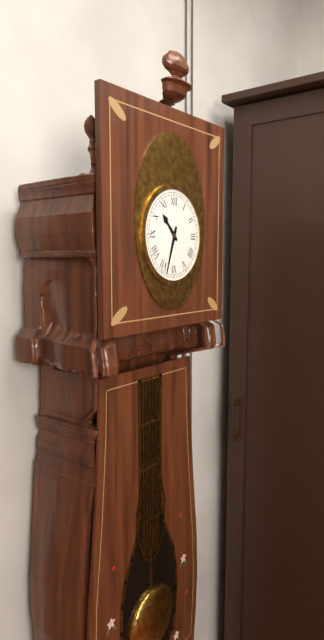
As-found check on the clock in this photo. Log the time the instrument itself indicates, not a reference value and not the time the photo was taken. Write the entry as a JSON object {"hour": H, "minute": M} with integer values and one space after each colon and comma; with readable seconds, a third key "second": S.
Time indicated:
{"hour": 10, "minute": 33}
